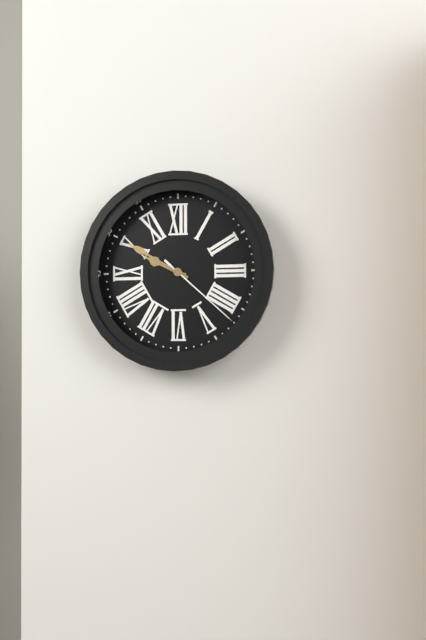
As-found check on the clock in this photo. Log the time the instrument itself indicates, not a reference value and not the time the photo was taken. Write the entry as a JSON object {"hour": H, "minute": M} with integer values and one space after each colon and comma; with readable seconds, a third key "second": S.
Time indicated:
{"hour": 9, "minute": 50, "second": 22}
